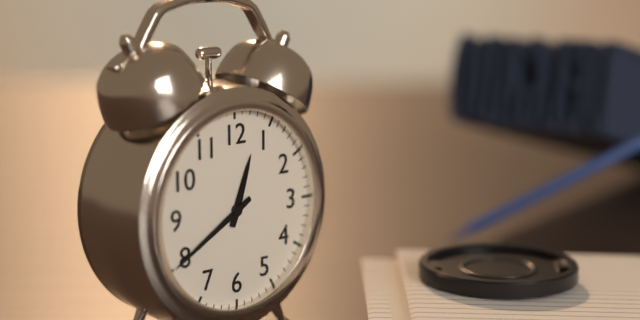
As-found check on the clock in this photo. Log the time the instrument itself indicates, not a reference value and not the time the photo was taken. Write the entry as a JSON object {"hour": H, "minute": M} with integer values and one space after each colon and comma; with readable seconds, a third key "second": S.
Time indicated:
{"hour": 12, "minute": 40}
